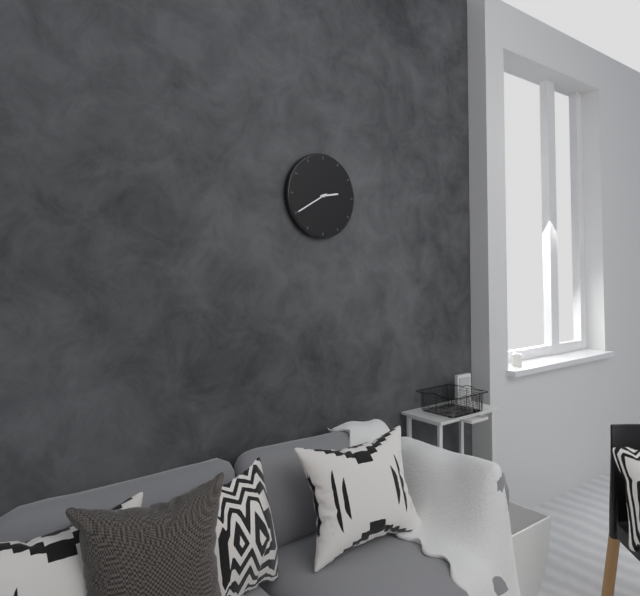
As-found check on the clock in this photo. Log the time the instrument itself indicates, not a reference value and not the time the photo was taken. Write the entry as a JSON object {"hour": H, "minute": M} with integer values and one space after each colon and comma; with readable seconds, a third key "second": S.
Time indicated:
{"hour": 2, "minute": 40}
